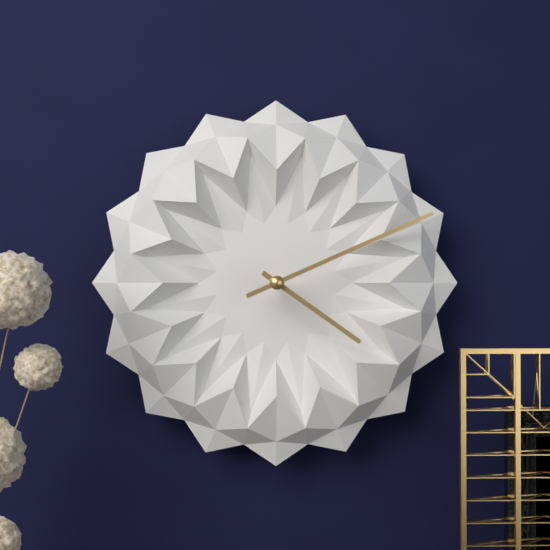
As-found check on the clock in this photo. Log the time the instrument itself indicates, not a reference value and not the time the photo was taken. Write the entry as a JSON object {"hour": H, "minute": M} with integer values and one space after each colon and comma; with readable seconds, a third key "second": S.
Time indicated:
{"hour": 4, "minute": 11}
